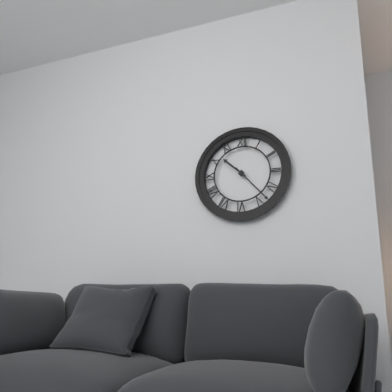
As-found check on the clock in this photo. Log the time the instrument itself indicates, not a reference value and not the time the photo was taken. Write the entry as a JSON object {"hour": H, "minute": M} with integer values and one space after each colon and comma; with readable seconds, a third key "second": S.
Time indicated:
{"hour": 10, "minute": 23}
